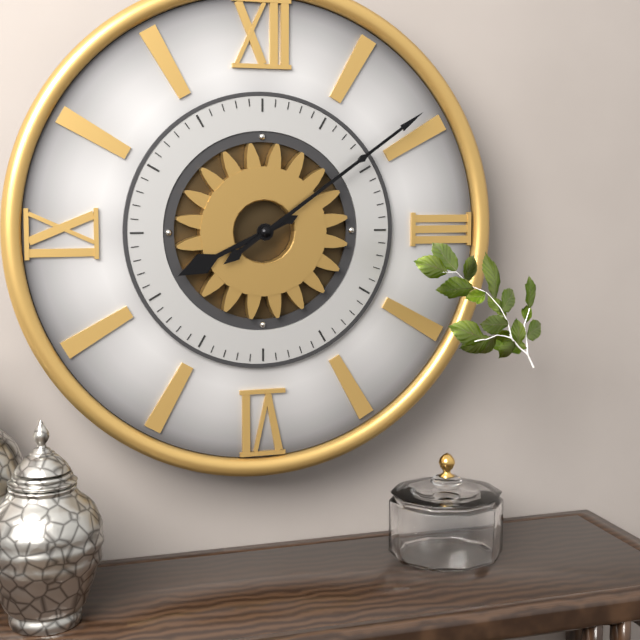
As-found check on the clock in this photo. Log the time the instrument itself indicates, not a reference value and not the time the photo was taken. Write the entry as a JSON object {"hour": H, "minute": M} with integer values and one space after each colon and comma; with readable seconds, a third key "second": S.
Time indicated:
{"hour": 8, "minute": 9}
